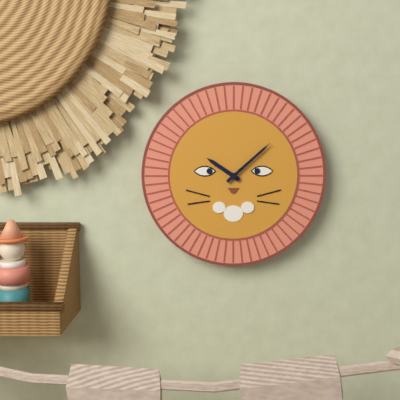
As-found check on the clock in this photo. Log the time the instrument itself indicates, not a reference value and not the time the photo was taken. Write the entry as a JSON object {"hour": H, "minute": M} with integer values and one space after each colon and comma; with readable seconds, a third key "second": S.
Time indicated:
{"hour": 10, "minute": 8}
